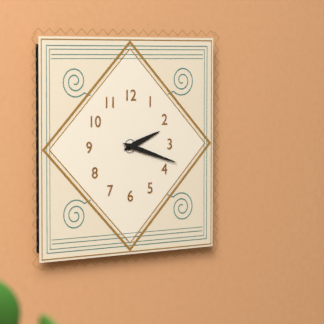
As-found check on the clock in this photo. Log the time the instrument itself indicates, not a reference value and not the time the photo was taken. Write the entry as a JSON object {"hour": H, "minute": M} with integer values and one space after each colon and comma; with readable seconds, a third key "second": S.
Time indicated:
{"hour": 2, "minute": 18}
